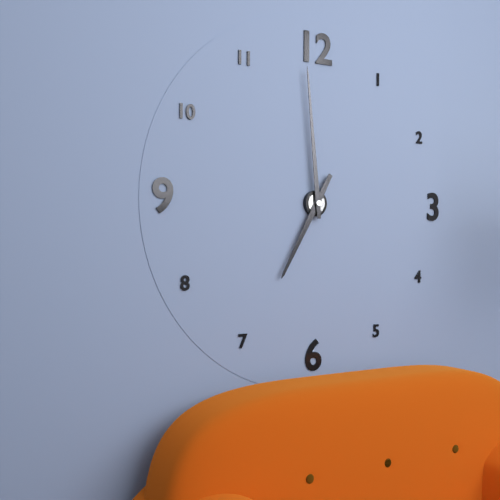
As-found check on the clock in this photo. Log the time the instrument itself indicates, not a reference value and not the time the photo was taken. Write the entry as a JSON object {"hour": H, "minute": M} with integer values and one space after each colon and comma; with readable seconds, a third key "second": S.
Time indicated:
{"hour": 6, "minute": 59}
